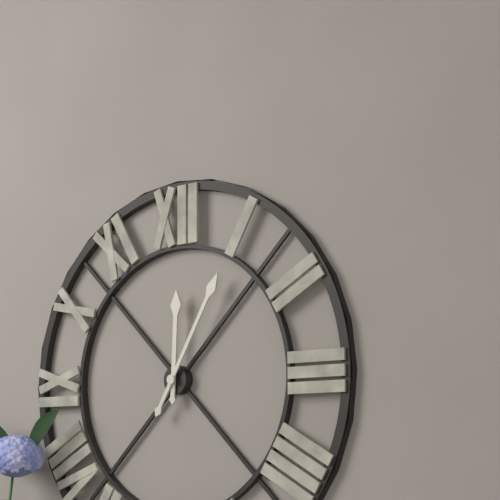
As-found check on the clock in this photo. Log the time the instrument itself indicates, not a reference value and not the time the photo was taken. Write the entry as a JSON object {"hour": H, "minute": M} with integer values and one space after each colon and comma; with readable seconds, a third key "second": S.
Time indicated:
{"hour": 12, "minute": 5}
